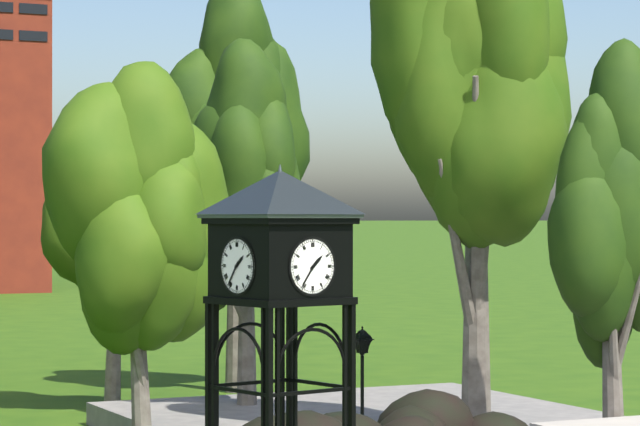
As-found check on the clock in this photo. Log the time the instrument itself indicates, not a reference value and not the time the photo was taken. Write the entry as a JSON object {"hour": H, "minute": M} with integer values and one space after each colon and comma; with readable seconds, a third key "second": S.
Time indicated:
{"hour": 1, "minute": 36}
